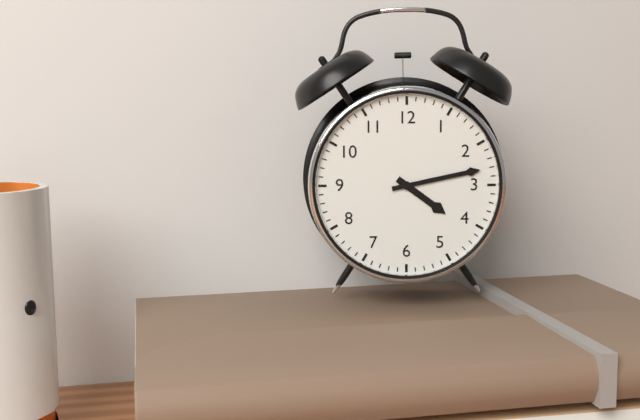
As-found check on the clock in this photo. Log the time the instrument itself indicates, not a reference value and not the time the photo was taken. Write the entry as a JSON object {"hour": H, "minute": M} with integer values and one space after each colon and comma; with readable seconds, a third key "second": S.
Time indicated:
{"hour": 4, "minute": 13}
